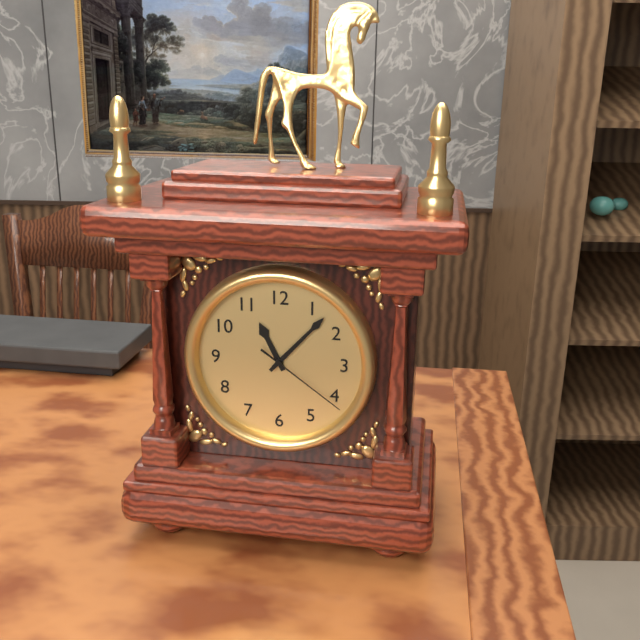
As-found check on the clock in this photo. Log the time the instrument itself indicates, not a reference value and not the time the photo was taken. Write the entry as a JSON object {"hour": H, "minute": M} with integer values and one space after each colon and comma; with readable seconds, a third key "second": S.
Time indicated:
{"hour": 11, "minute": 7, "second": 21}
